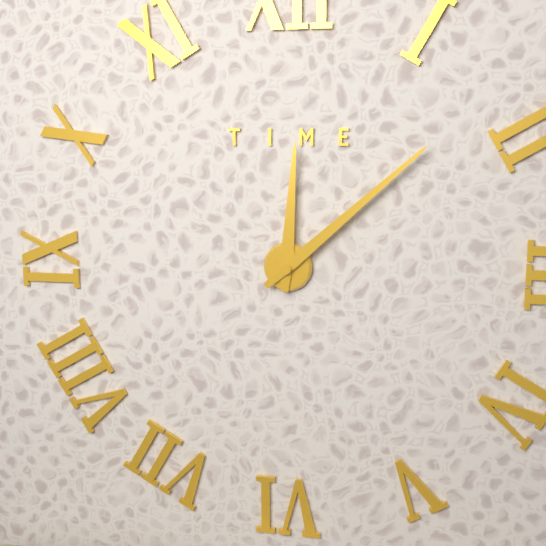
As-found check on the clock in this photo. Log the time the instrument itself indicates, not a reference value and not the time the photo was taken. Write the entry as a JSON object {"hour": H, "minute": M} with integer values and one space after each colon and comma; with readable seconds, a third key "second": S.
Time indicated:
{"hour": 12, "minute": 8}
